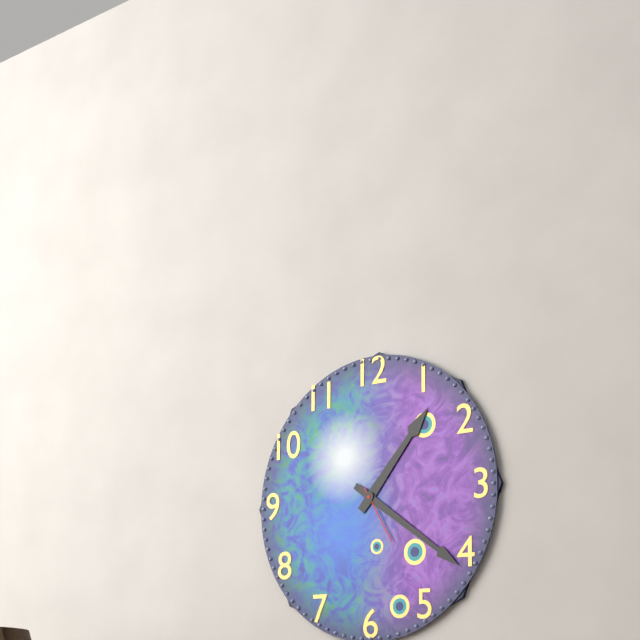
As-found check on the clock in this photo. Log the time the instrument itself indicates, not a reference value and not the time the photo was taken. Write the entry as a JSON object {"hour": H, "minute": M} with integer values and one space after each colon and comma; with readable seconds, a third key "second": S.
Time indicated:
{"hour": 1, "minute": 21, "second": 25}
